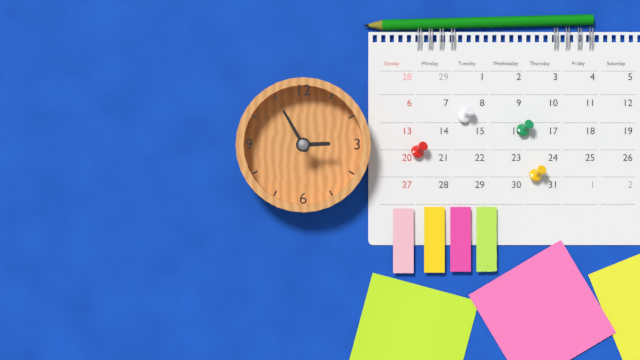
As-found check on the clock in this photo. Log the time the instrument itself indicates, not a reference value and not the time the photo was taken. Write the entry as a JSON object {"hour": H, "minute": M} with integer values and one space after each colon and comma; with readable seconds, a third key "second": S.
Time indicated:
{"hour": 2, "minute": 55}
